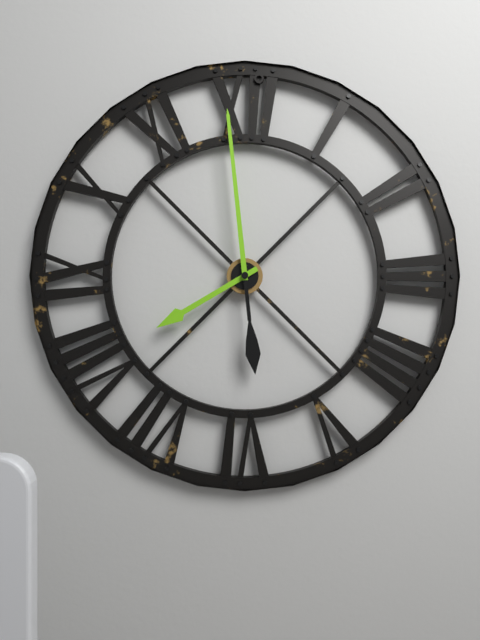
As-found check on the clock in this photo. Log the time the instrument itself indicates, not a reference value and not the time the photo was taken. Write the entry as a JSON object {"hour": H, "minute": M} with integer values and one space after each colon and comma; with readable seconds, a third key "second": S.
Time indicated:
{"hour": 7, "minute": 59}
